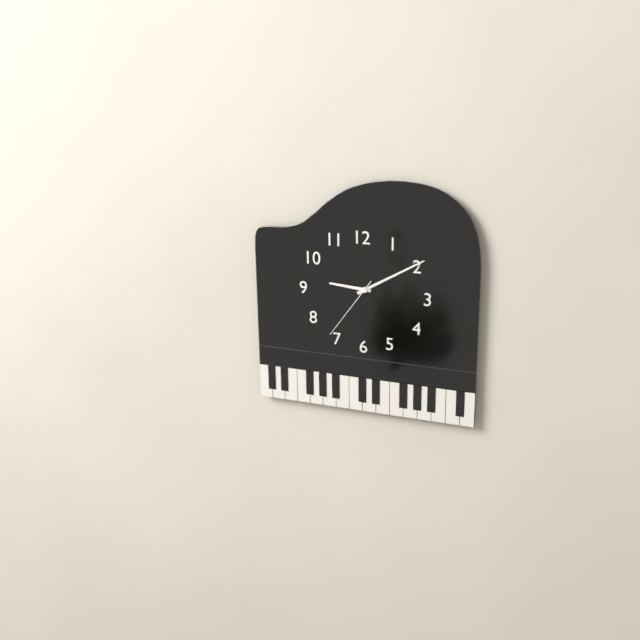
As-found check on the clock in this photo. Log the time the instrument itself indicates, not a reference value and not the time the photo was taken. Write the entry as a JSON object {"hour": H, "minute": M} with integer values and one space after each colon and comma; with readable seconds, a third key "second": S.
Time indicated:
{"hour": 9, "minute": 10, "second": 36}
